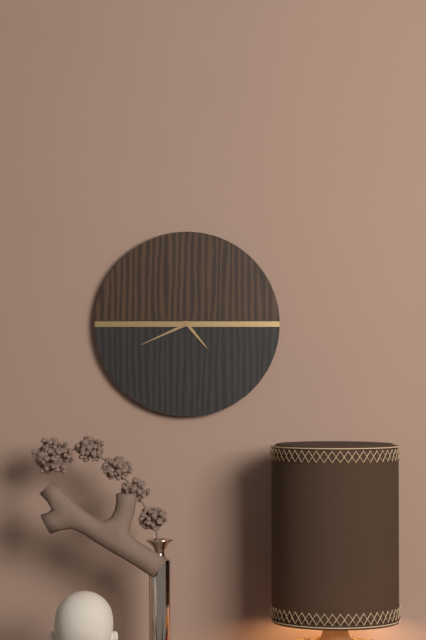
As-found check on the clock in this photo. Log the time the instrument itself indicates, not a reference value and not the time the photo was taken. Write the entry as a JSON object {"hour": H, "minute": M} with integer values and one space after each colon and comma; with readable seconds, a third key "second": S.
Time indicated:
{"hour": 4, "minute": 41}
